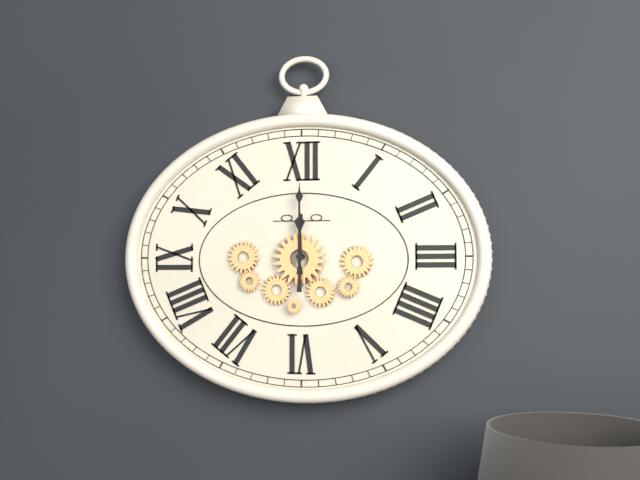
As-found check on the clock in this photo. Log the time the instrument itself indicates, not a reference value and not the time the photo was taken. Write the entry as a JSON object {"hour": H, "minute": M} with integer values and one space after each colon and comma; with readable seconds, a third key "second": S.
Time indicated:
{"hour": 12, "minute": 0}
